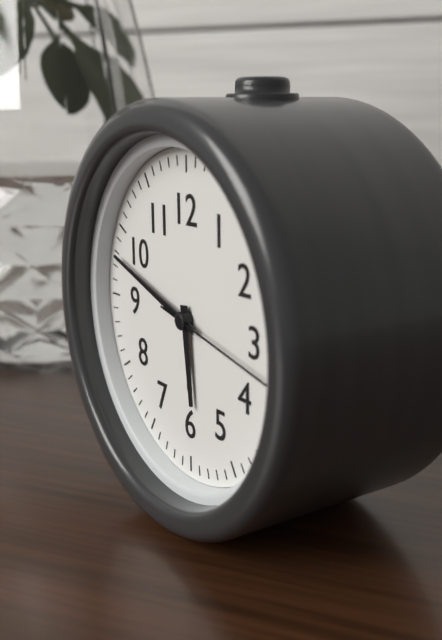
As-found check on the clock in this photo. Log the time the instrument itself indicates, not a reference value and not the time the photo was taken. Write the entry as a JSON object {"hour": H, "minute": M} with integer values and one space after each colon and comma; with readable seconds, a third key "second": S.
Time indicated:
{"hour": 5, "minute": 48, "second": 17}
